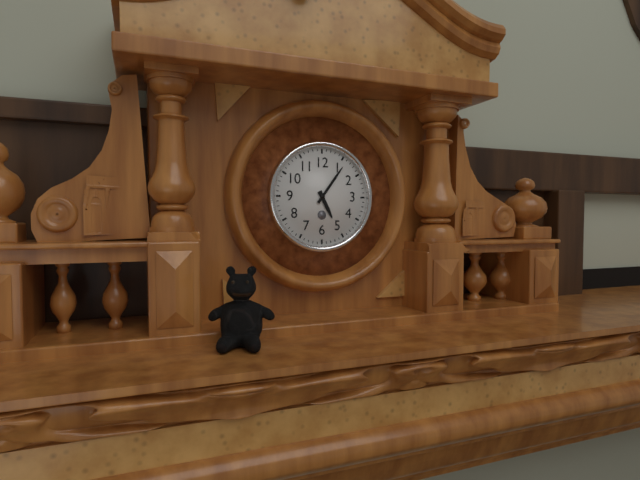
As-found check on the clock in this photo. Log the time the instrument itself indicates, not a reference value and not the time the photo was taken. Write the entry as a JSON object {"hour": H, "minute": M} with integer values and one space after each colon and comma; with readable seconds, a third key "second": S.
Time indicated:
{"hour": 5, "minute": 6}
